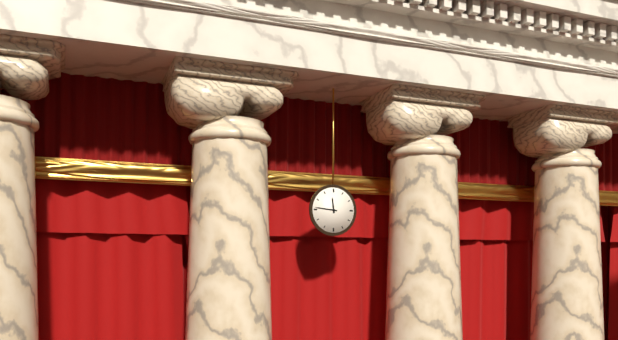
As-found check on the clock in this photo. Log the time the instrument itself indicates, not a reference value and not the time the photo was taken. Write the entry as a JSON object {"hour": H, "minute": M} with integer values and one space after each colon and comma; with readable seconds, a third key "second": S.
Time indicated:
{"hour": 11, "minute": 46}
